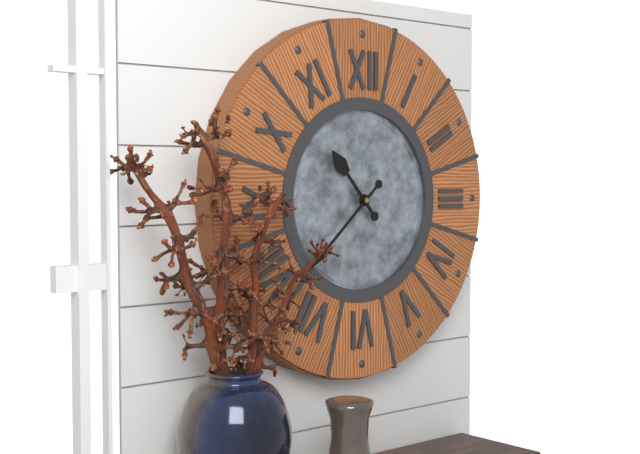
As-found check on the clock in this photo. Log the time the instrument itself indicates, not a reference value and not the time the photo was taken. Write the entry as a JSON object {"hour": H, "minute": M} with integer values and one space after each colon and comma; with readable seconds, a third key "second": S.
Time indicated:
{"hour": 10, "minute": 38}
